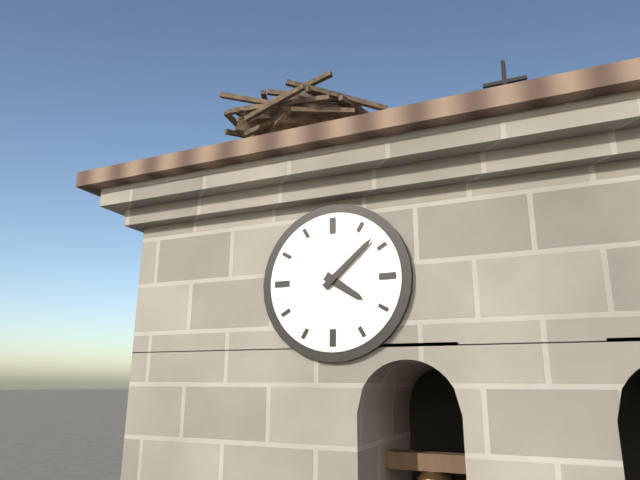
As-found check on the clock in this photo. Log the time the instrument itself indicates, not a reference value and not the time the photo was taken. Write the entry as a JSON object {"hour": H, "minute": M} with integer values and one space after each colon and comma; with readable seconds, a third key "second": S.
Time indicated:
{"hour": 4, "minute": 8}
